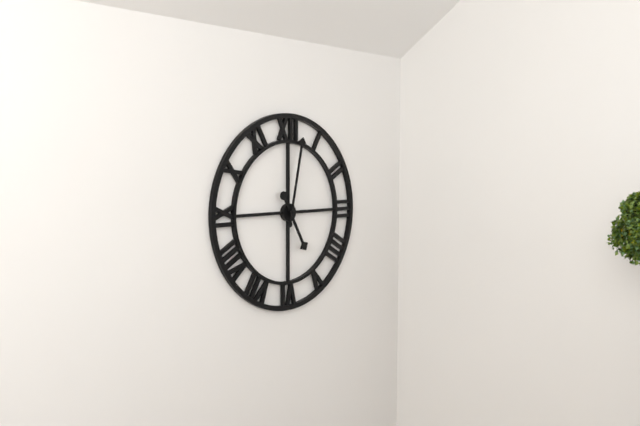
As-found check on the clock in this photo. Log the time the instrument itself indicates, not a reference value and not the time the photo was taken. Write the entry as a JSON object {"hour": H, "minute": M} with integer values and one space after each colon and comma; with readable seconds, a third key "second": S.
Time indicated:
{"hour": 5, "minute": 2}
